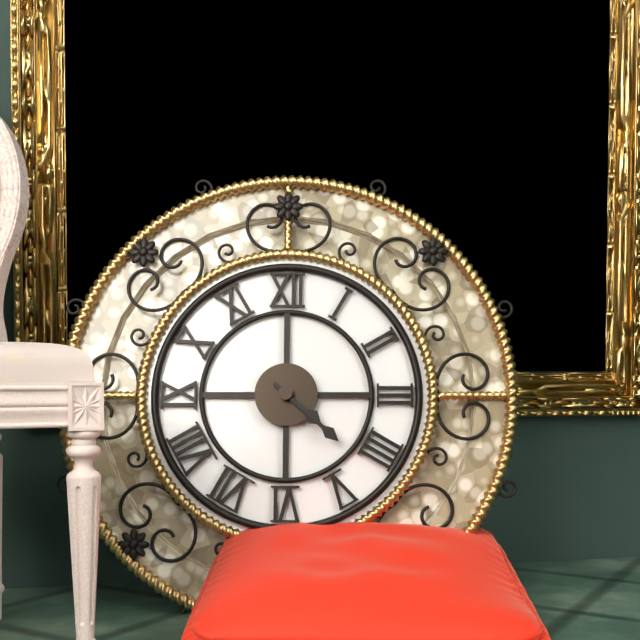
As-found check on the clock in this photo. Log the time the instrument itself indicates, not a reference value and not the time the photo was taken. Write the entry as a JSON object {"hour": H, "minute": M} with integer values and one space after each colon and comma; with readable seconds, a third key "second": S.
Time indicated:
{"hour": 4, "minute": 22}
